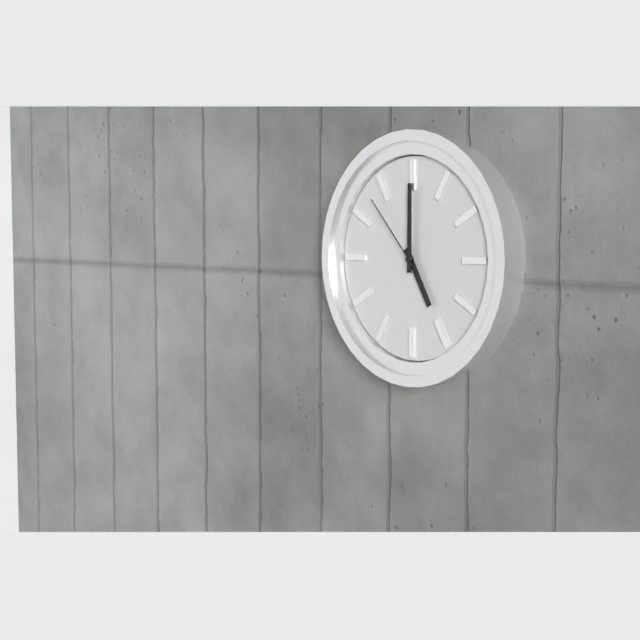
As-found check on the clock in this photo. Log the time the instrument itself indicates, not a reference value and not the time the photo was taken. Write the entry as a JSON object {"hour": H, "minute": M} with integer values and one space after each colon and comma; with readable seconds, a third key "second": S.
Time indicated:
{"hour": 5, "minute": 0, "second": 53}
